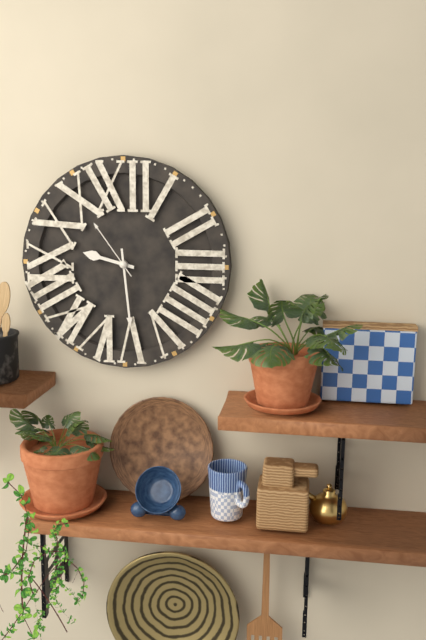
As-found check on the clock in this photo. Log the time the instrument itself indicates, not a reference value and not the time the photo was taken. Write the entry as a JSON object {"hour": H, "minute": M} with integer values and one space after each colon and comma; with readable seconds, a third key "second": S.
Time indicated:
{"hour": 9, "minute": 29, "second": 54}
